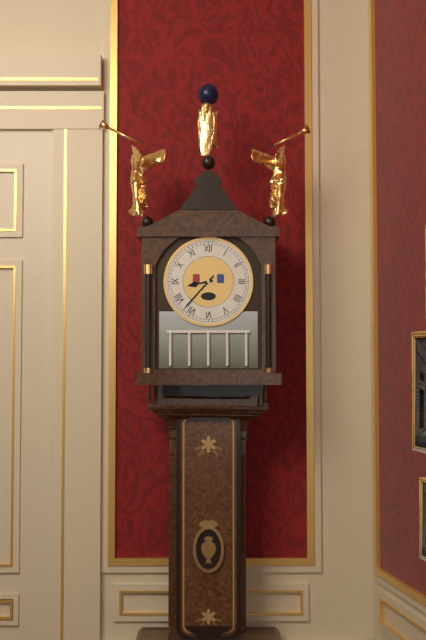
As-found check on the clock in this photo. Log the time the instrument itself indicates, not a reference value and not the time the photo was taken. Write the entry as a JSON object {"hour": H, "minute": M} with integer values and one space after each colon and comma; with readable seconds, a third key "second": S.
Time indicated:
{"hour": 8, "minute": 37}
